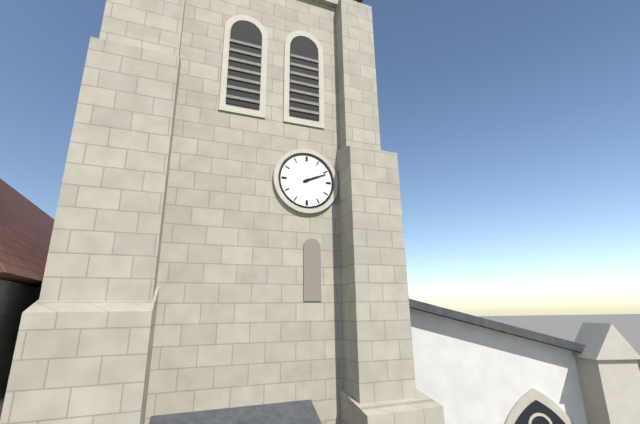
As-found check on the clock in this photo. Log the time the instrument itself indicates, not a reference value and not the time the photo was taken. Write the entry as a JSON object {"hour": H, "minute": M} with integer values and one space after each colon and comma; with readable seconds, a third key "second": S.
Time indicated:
{"hour": 2, "minute": 11}
